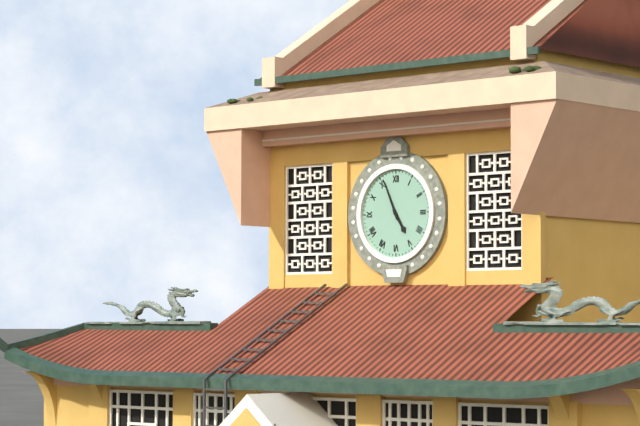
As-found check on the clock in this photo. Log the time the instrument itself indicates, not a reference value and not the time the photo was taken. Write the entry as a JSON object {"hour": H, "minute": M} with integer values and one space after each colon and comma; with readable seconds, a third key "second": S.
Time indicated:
{"hour": 4, "minute": 56}
